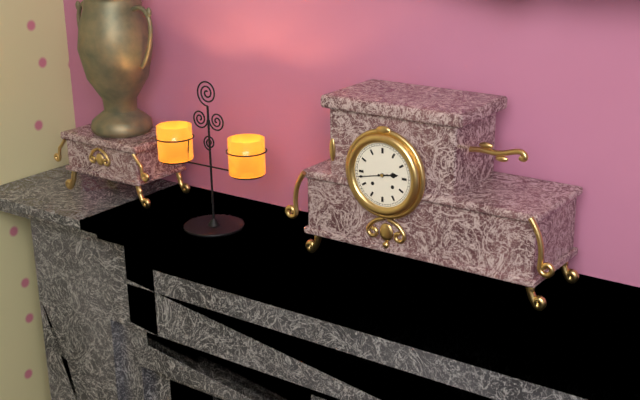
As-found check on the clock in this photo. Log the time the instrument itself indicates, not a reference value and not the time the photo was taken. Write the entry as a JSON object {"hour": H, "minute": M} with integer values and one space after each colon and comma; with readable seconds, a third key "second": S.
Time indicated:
{"hour": 2, "minute": 43}
